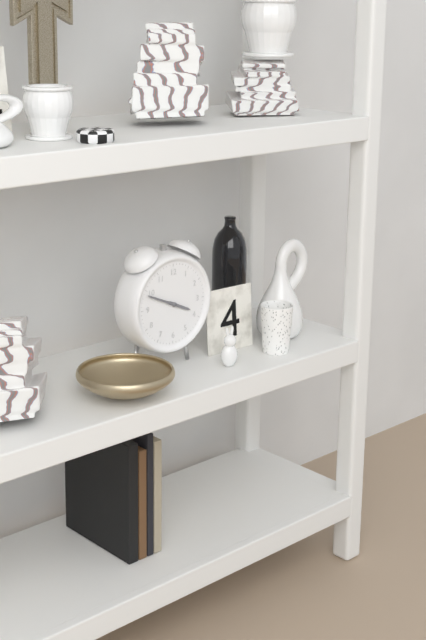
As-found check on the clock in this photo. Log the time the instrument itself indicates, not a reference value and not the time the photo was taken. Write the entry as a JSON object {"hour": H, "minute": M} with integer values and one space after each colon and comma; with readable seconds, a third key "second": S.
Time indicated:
{"hour": 3, "minute": 49}
